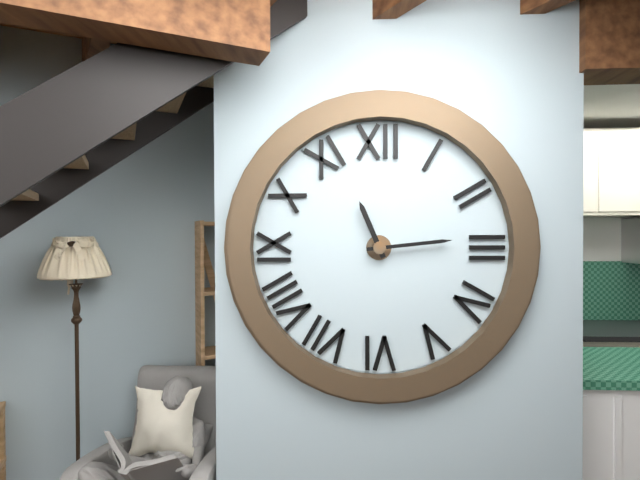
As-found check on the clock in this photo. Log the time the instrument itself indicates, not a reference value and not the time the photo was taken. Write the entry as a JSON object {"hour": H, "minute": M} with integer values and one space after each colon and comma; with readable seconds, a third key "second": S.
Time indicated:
{"hour": 11, "minute": 14}
